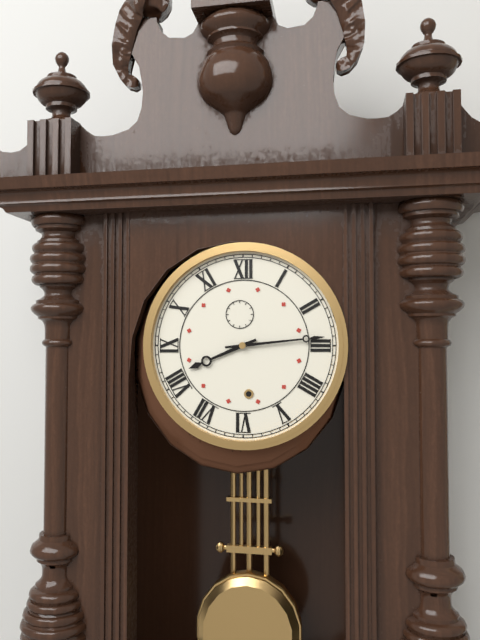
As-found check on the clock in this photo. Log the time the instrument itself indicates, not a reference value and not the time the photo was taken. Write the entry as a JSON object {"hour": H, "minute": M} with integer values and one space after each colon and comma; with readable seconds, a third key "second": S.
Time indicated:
{"hour": 8, "minute": 14}
